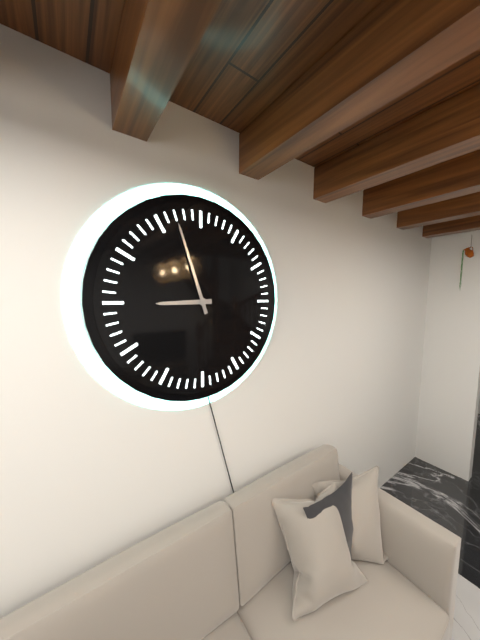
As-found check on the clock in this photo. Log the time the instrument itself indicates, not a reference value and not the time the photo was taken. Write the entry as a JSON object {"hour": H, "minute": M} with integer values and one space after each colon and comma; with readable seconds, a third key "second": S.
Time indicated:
{"hour": 8, "minute": 57}
